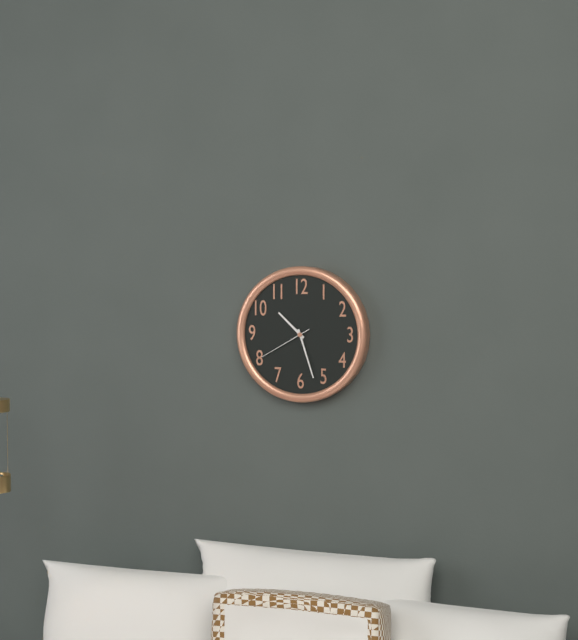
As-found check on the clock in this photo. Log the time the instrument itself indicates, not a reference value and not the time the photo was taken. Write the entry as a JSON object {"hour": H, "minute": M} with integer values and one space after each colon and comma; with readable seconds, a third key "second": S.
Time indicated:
{"hour": 10, "minute": 27, "second": 40}
